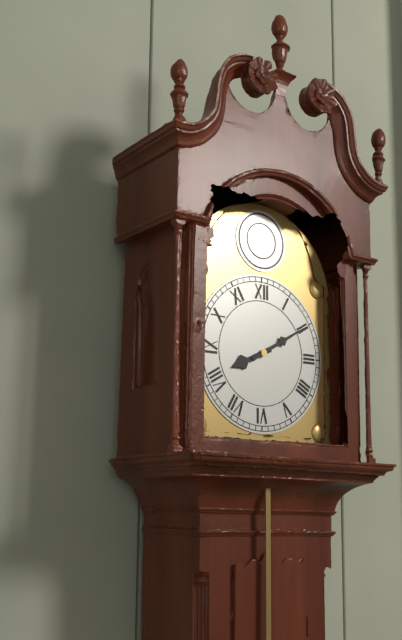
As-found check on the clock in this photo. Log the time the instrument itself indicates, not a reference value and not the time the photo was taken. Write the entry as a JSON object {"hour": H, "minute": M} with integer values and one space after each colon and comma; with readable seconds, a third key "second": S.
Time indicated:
{"hour": 8, "minute": 10}
